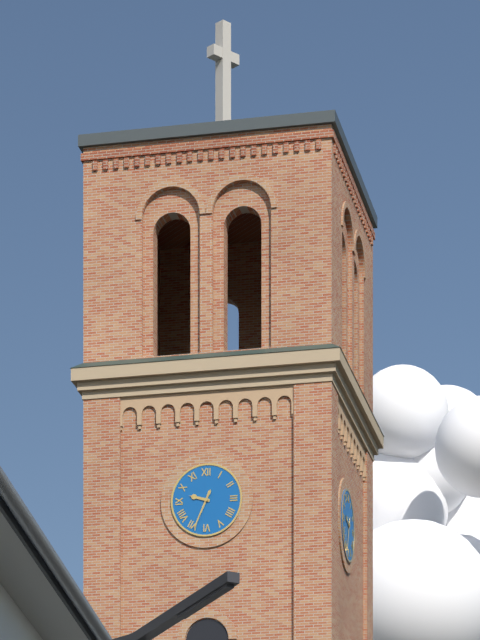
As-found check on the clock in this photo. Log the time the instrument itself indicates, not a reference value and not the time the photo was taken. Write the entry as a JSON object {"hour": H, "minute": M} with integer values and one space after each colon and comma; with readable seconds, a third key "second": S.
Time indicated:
{"hour": 9, "minute": 34}
